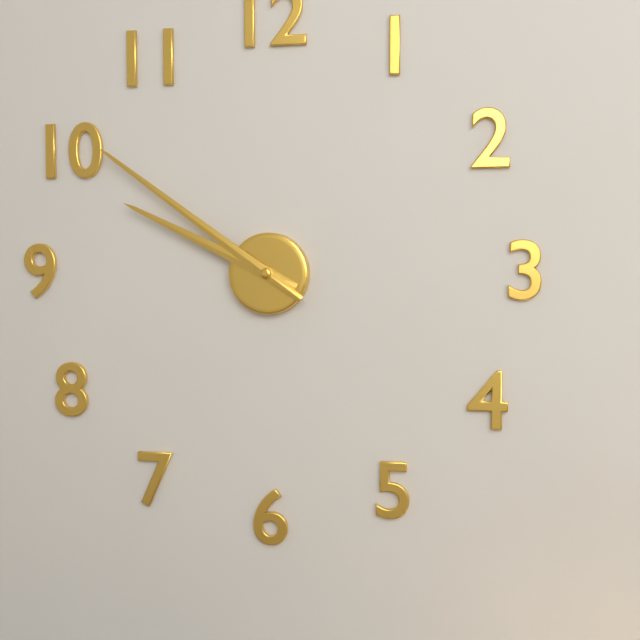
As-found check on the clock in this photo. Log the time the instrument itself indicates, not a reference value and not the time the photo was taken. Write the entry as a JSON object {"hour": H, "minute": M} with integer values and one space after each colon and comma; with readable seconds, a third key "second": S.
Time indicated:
{"hour": 9, "minute": 51}
